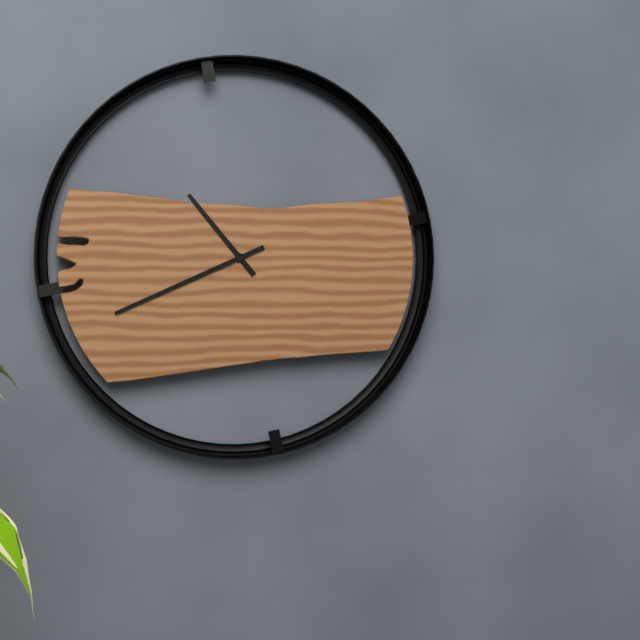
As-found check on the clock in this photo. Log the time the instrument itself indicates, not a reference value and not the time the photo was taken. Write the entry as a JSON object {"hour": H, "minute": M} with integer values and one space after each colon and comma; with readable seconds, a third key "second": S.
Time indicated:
{"hour": 10, "minute": 41}
